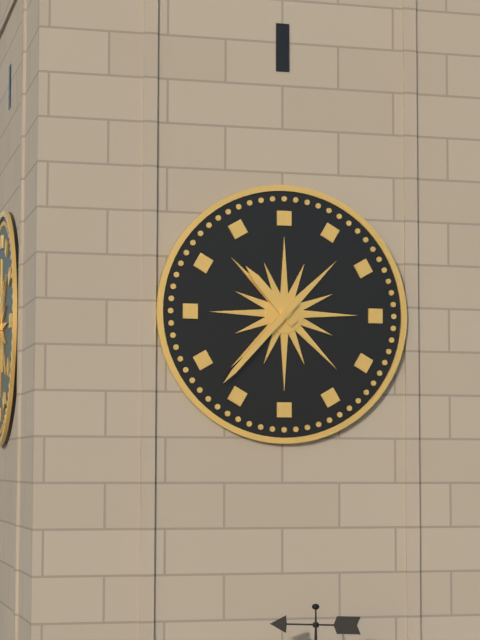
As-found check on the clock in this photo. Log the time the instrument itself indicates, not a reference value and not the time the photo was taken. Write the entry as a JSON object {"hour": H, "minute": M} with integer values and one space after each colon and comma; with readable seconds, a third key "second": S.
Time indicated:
{"hour": 10, "minute": 37}
